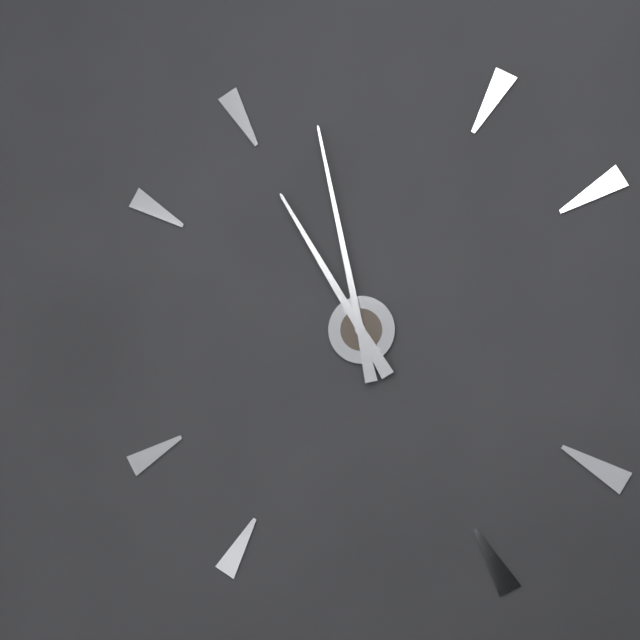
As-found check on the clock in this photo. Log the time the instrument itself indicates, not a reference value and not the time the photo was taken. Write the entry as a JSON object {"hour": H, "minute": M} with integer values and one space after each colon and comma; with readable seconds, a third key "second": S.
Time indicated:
{"hour": 10, "minute": 58}
